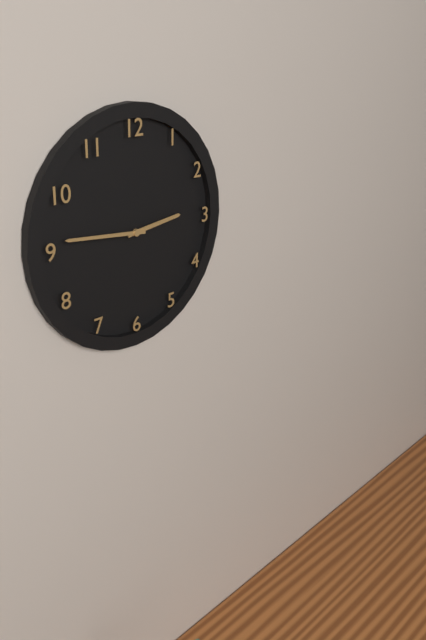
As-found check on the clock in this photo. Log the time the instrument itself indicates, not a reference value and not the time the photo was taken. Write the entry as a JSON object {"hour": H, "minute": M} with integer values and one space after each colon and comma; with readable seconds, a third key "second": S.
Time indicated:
{"hour": 2, "minute": 46}
